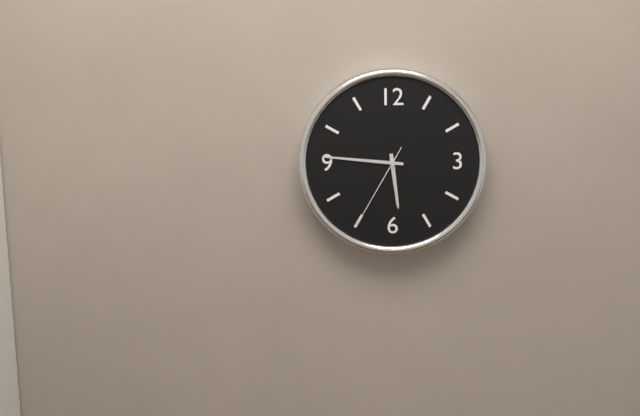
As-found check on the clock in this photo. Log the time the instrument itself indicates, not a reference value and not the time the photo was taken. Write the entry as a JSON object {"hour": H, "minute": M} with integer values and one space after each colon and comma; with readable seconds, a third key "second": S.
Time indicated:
{"hour": 5, "minute": 46, "second": 35}
